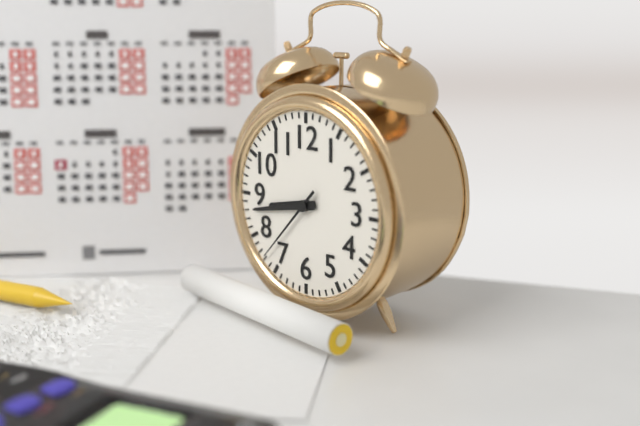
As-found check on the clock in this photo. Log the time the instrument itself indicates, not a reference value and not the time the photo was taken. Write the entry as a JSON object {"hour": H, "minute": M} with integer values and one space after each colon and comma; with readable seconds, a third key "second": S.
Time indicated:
{"hour": 8, "minute": 43, "second": 37}
